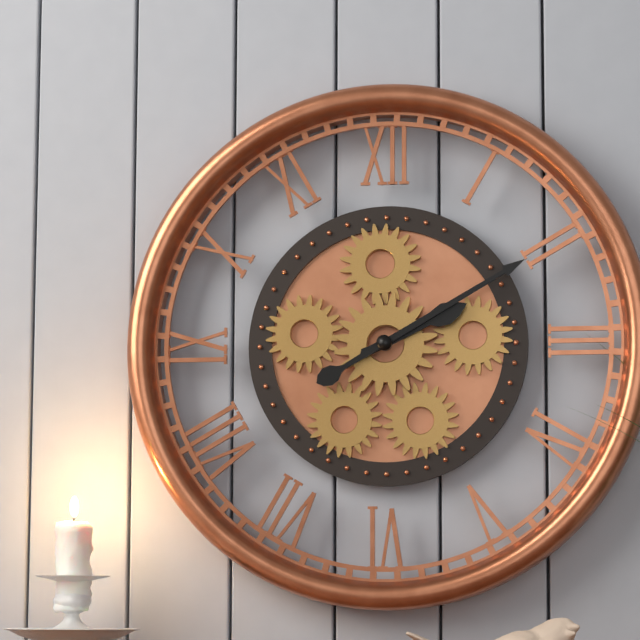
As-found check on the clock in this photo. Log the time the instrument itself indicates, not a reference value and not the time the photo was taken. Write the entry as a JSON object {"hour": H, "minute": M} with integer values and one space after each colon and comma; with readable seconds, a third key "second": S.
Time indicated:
{"hour": 2, "minute": 10}
